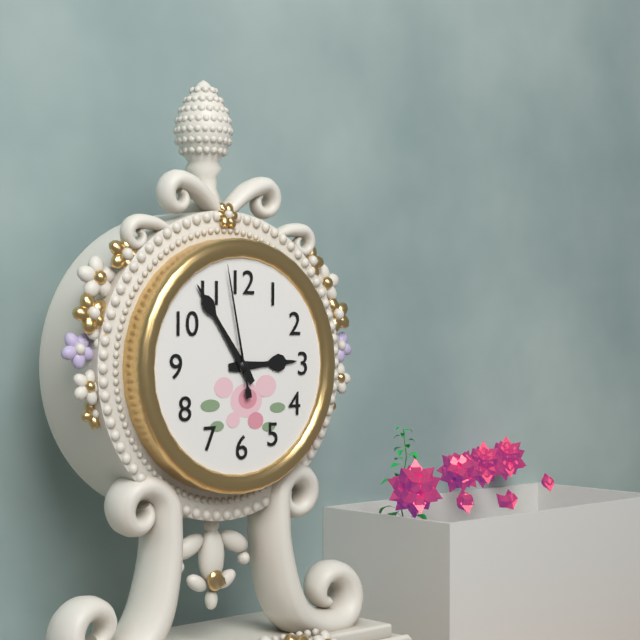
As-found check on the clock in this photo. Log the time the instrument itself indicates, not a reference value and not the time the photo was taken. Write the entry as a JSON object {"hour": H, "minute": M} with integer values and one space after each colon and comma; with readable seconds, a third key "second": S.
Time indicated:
{"hour": 2, "minute": 54, "second": 58}
